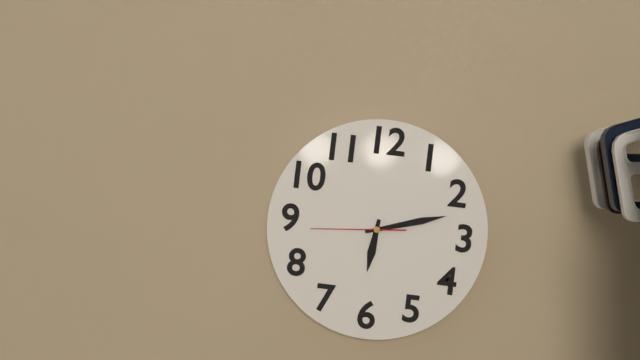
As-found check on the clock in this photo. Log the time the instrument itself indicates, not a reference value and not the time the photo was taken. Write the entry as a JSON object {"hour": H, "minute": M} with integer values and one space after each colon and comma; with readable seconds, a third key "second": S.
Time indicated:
{"hour": 6, "minute": 12, "second": 44}
